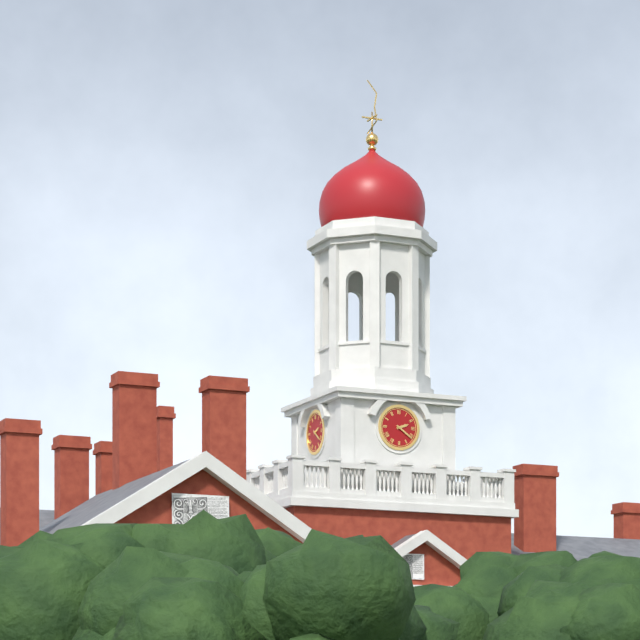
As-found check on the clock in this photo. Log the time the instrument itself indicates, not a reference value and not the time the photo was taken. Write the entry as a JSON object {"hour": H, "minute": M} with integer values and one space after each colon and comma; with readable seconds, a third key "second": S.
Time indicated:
{"hour": 2, "minute": 21}
